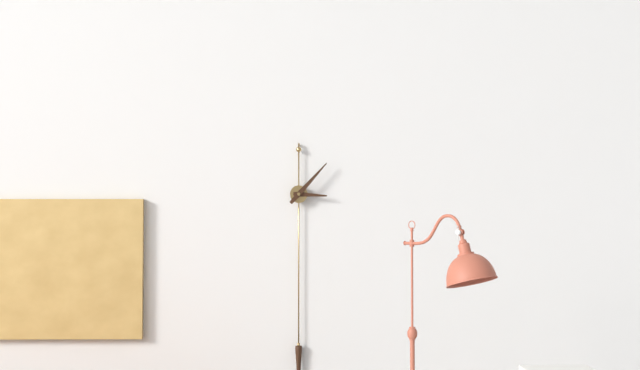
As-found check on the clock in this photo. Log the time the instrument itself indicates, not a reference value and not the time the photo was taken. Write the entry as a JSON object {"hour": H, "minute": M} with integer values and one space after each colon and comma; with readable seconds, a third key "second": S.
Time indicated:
{"hour": 3, "minute": 7}
